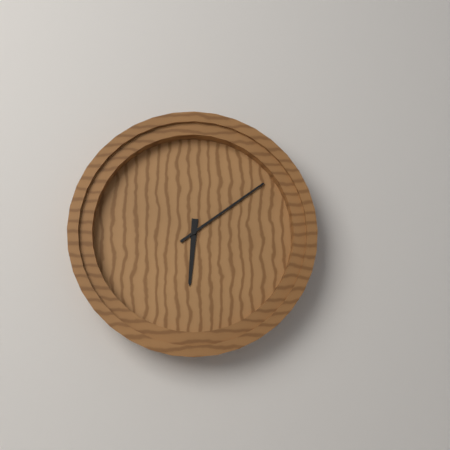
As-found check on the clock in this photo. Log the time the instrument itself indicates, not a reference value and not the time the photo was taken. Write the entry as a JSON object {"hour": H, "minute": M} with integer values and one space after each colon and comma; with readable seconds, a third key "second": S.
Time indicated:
{"hour": 6, "minute": 9}
